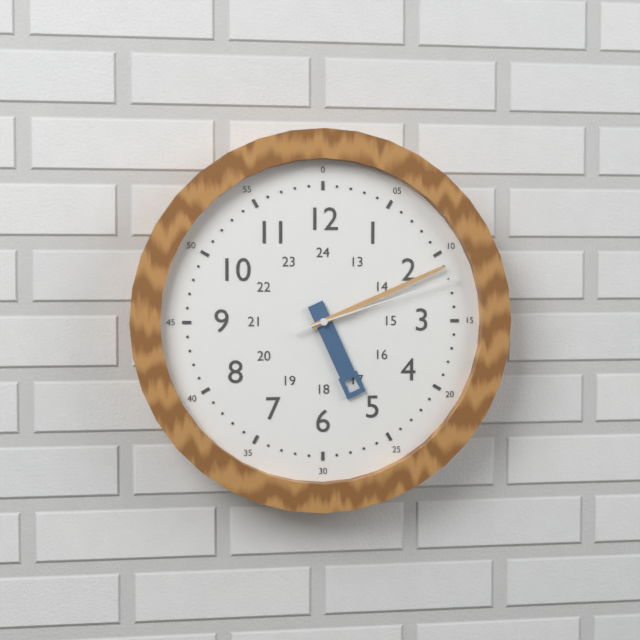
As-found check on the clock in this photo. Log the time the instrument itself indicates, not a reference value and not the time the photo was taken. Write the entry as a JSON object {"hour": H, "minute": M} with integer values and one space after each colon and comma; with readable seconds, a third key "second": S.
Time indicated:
{"hour": 5, "minute": 11, "second": 12}
